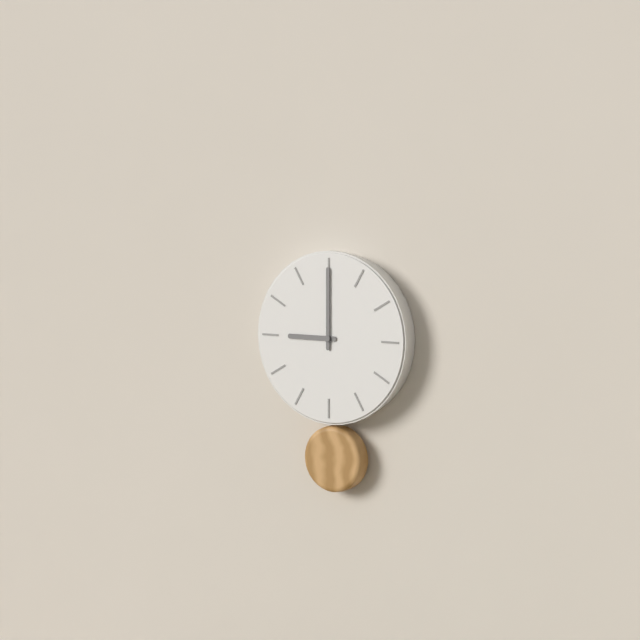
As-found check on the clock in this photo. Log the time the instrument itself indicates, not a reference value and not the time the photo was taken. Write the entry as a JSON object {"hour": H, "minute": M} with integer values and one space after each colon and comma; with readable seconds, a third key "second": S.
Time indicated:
{"hour": 9, "minute": 0}
